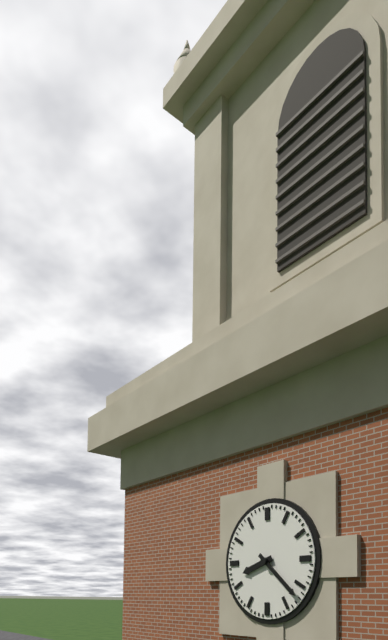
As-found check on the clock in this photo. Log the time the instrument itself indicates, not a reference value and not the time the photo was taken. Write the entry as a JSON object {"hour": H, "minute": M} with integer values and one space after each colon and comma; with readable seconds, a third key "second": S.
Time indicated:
{"hour": 8, "minute": 22}
